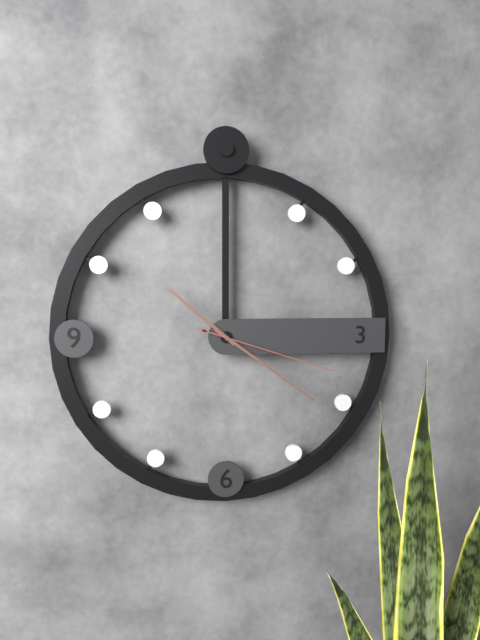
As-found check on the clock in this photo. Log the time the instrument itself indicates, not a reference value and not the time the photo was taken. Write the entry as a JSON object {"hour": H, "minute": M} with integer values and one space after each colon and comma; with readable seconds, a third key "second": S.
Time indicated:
{"hour": 10, "minute": 21, "second": 18}
